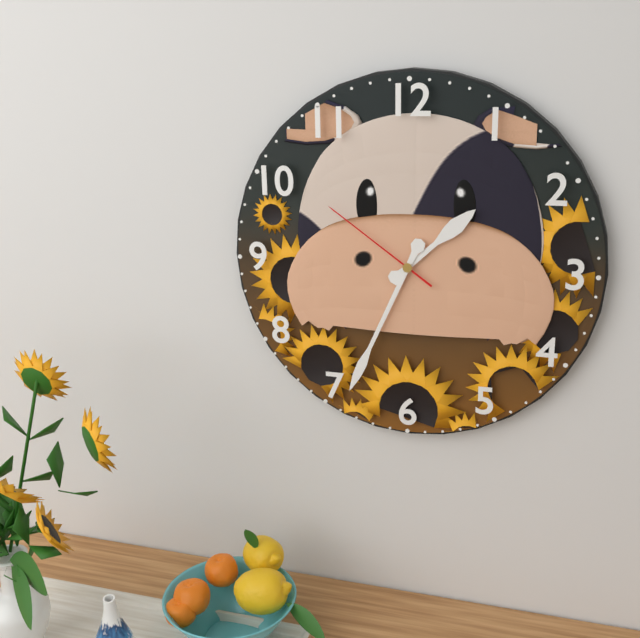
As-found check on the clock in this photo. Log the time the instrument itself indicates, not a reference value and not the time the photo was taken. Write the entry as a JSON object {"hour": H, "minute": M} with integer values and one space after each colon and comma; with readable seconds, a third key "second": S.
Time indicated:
{"hour": 1, "minute": 34, "second": 51}
